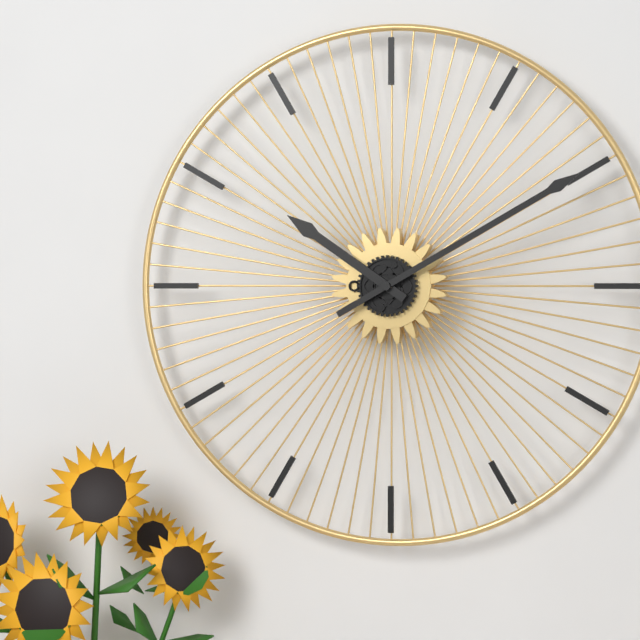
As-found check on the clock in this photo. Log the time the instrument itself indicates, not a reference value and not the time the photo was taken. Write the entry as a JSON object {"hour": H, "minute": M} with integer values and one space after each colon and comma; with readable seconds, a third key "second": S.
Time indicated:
{"hour": 10, "minute": 10}
